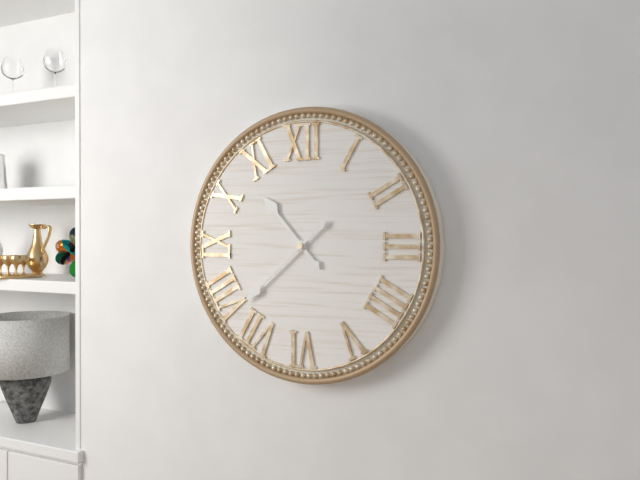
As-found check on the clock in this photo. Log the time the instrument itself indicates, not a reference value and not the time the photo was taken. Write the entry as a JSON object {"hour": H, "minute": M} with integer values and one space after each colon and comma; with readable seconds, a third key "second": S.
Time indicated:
{"hour": 10, "minute": 38}
